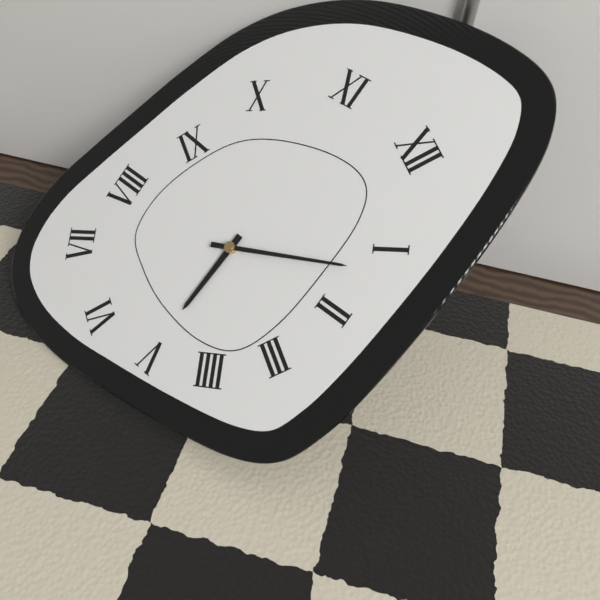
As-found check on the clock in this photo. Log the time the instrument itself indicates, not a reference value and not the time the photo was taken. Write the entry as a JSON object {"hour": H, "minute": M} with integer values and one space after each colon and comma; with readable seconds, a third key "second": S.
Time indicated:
{"hour": 5, "minute": 6}
